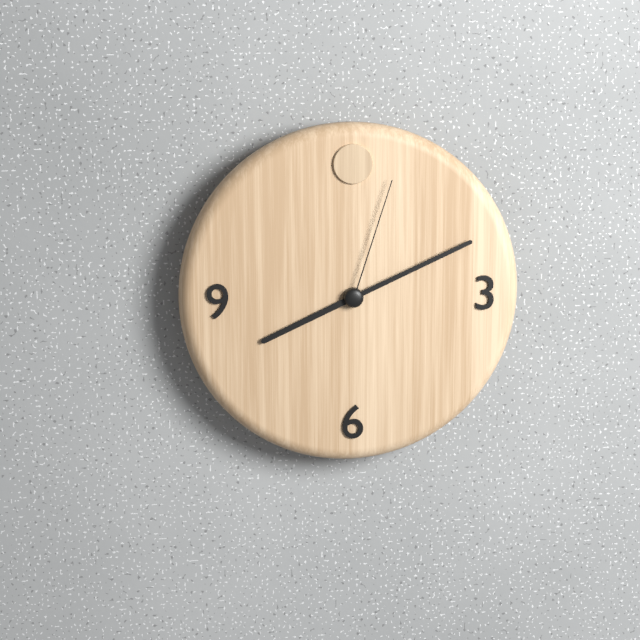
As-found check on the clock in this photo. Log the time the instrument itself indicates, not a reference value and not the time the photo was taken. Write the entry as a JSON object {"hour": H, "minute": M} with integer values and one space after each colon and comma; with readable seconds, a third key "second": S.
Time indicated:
{"hour": 8, "minute": 11, "second": 3}
